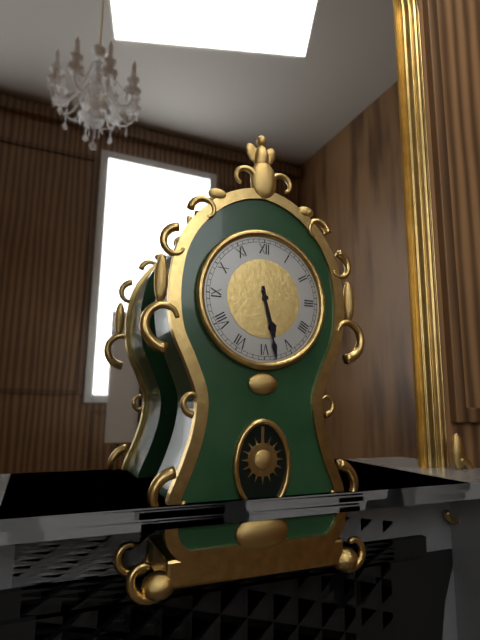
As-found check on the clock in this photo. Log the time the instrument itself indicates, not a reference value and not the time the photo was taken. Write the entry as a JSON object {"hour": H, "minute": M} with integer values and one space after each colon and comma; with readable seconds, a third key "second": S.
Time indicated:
{"hour": 5, "minute": 28}
